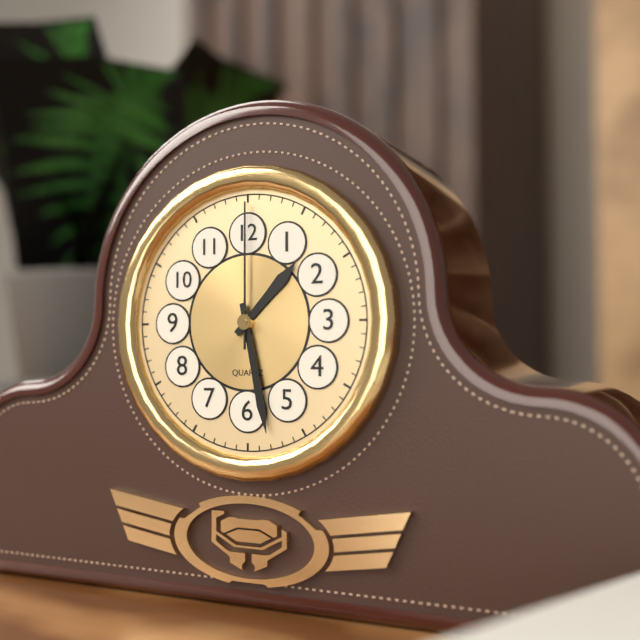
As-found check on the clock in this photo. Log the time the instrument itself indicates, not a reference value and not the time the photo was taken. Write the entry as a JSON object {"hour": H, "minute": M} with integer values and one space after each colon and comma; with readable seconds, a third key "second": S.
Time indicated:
{"hour": 1, "minute": 28, "second": 0}
